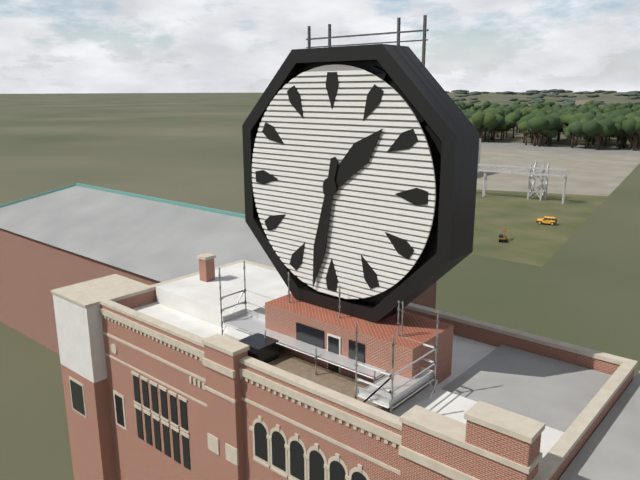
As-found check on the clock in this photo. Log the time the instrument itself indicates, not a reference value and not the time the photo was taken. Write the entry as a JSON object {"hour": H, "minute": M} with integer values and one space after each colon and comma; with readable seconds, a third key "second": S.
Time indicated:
{"hour": 1, "minute": 32}
